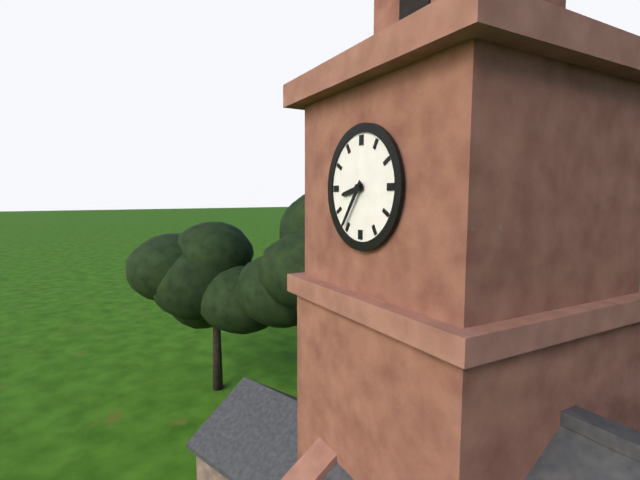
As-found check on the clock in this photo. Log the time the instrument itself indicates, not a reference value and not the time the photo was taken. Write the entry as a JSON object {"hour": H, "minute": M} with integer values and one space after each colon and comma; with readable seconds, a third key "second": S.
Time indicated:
{"hour": 8, "minute": 36}
